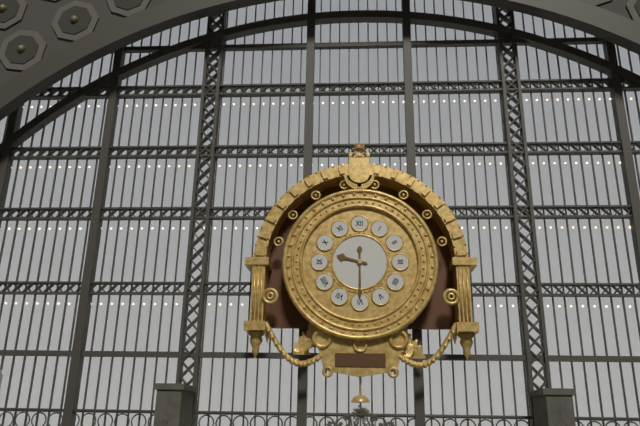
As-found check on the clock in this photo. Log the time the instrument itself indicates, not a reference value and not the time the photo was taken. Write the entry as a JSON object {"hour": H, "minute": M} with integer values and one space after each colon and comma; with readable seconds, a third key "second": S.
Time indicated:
{"hour": 9, "minute": 30}
